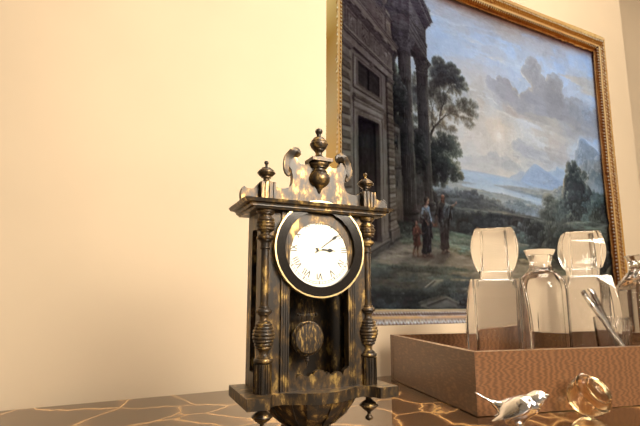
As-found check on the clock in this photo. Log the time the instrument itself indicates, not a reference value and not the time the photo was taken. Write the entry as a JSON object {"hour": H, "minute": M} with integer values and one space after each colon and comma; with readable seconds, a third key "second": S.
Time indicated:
{"hour": 3, "minute": 9}
